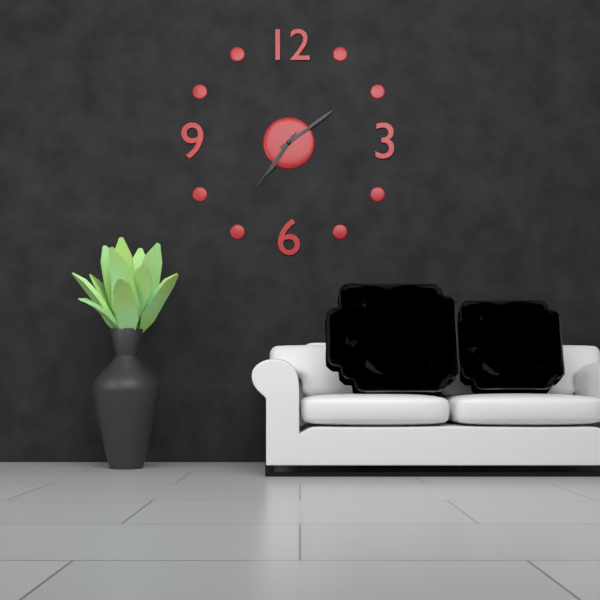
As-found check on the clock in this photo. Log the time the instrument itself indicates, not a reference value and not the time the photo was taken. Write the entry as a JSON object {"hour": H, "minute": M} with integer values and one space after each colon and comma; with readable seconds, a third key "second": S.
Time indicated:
{"hour": 7, "minute": 9, "second": 36}
